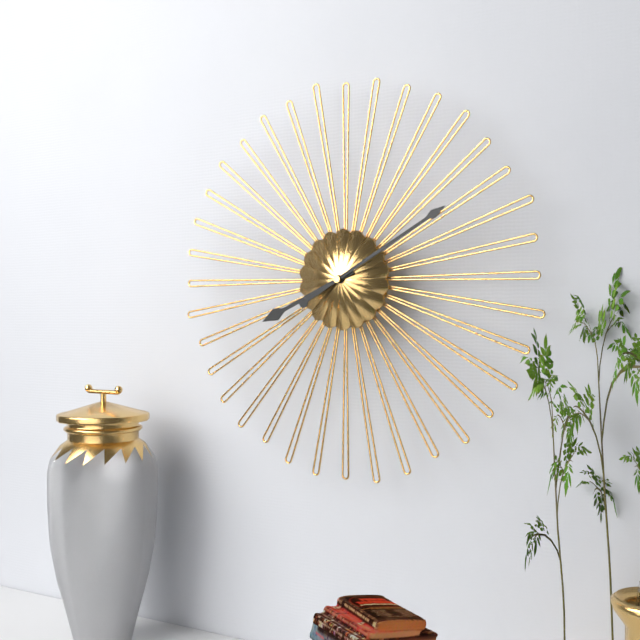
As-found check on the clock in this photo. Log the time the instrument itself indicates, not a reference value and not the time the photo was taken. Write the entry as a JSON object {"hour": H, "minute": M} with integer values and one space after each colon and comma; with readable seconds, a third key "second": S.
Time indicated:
{"hour": 8, "minute": 10}
